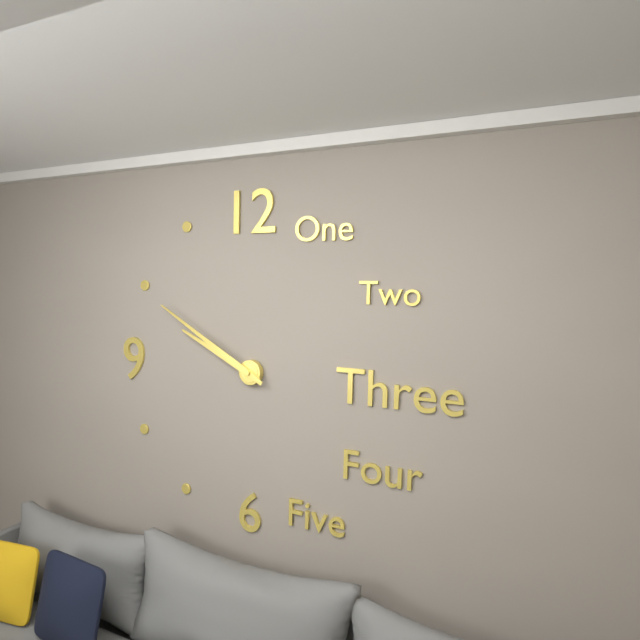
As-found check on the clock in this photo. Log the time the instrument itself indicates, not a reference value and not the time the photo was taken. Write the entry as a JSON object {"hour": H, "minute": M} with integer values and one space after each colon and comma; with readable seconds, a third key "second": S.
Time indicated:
{"hour": 9, "minute": 50}
